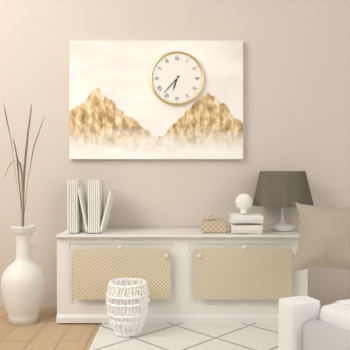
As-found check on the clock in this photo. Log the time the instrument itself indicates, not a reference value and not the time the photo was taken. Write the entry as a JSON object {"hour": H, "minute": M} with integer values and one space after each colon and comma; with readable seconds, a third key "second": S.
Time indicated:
{"hour": 6, "minute": 37}
